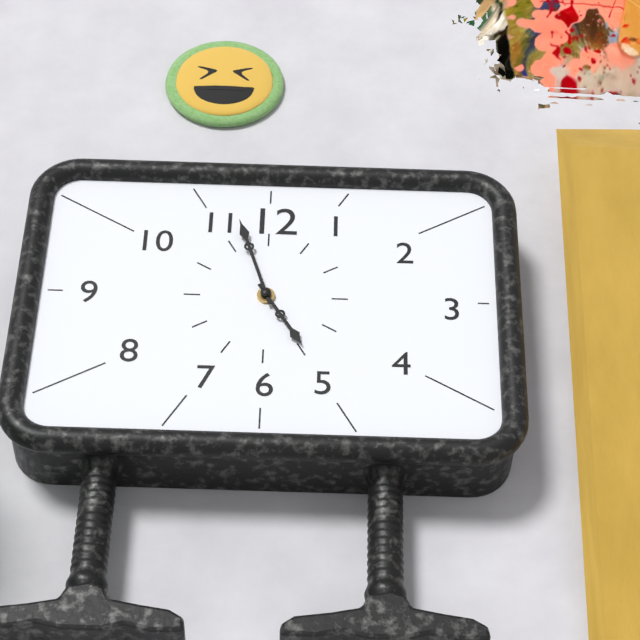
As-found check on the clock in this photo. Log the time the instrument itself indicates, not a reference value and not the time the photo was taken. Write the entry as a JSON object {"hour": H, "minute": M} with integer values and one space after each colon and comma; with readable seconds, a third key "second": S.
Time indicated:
{"hour": 4, "minute": 57}
